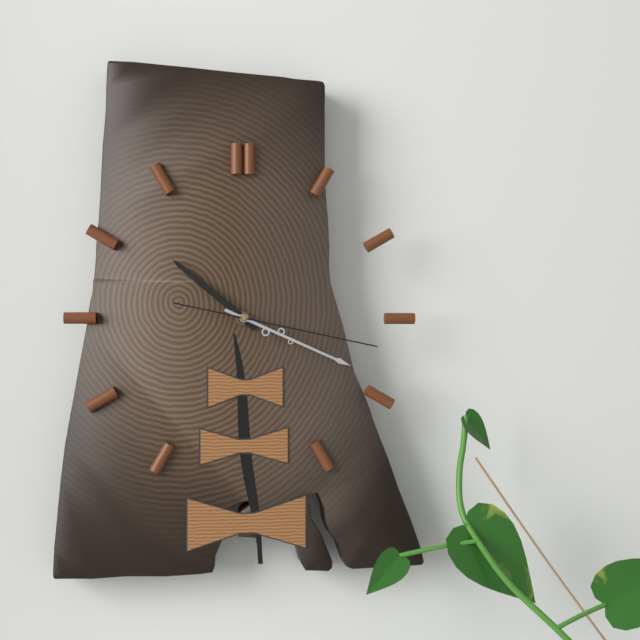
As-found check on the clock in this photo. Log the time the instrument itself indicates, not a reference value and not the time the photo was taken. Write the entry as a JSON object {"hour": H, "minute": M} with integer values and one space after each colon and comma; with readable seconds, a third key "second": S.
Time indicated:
{"hour": 10, "minute": 19, "second": 17}
